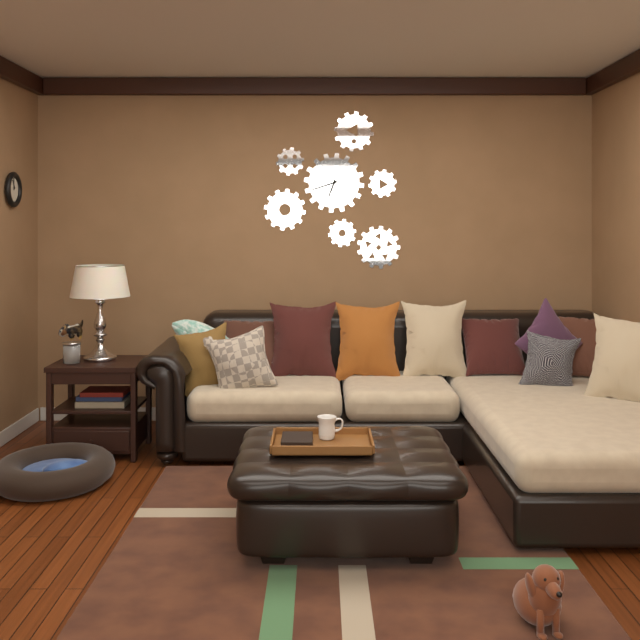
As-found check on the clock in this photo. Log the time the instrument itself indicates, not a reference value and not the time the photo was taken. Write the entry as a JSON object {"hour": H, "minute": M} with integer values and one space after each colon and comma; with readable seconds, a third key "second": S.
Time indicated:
{"hour": 6, "minute": 42}
